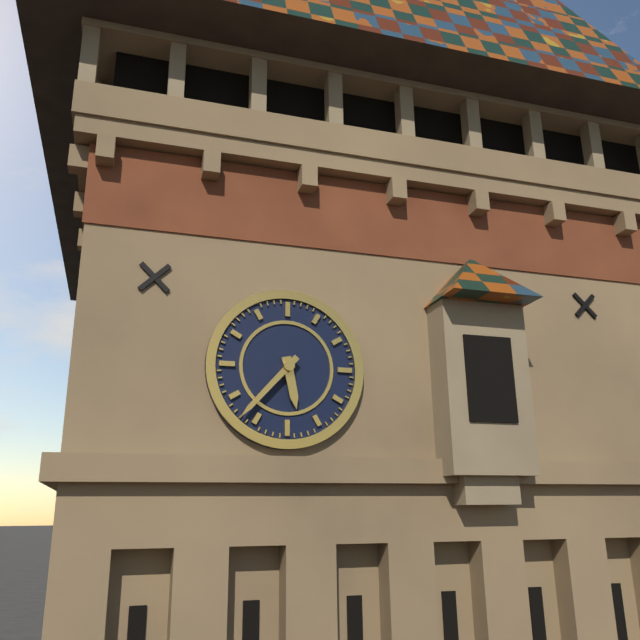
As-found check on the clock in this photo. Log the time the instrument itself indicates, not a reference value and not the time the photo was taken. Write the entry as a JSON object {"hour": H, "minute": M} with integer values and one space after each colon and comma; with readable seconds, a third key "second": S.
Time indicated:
{"hour": 5, "minute": 37}
